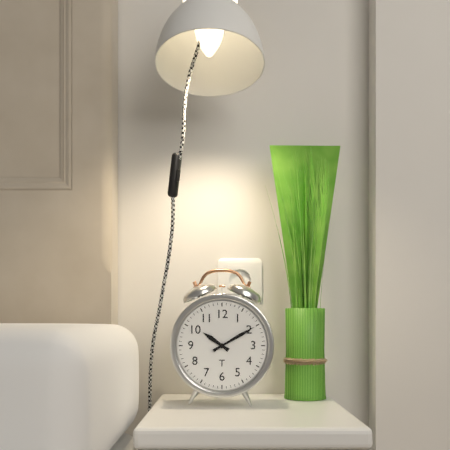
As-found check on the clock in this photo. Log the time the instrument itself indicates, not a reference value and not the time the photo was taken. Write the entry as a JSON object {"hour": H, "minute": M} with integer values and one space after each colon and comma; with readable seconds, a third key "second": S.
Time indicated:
{"hour": 10, "minute": 10}
